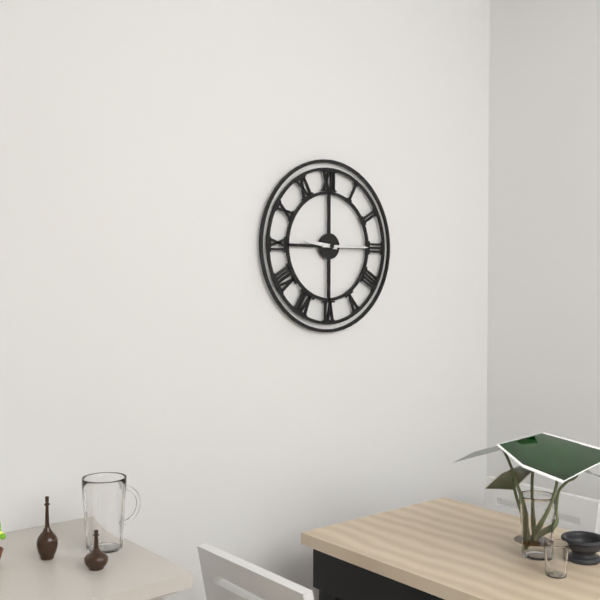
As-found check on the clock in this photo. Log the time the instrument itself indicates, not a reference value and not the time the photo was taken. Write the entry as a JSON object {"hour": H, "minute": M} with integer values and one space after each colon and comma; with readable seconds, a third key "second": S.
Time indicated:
{"hour": 9, "minute": 15}
